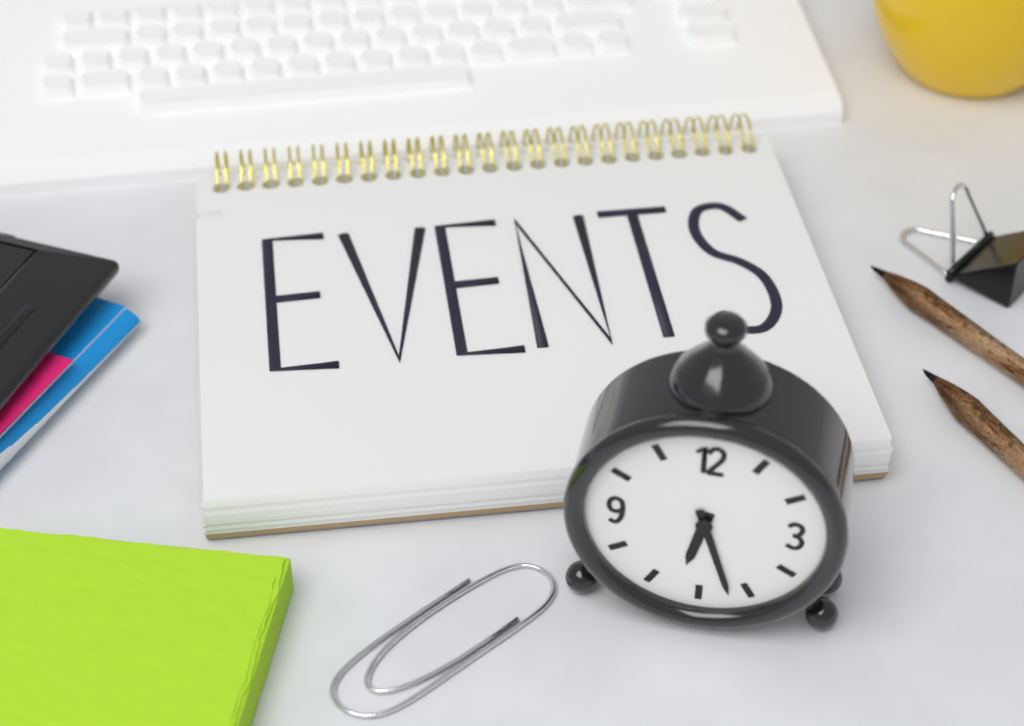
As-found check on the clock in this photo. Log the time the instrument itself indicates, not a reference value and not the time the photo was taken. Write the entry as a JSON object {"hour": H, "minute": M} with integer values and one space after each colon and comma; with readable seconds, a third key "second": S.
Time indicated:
{"hour": 6, "minute": 27}
